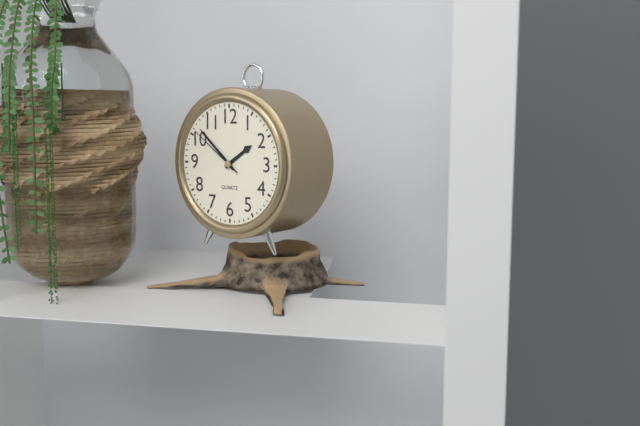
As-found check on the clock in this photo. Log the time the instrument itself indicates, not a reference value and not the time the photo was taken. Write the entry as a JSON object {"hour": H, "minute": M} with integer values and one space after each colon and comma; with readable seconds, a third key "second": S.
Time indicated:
{"hour": 1, "minute": 52, "second": 51}
